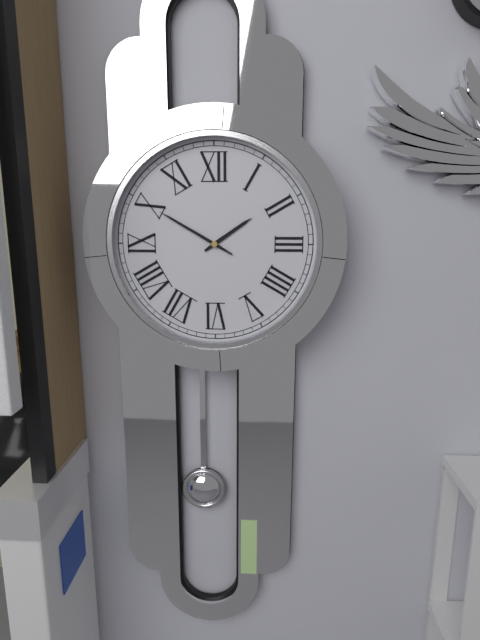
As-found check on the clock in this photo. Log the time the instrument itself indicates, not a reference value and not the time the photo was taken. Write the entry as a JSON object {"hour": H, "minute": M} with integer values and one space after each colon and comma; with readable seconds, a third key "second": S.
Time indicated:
{"hour": 1, "minute": 50}
